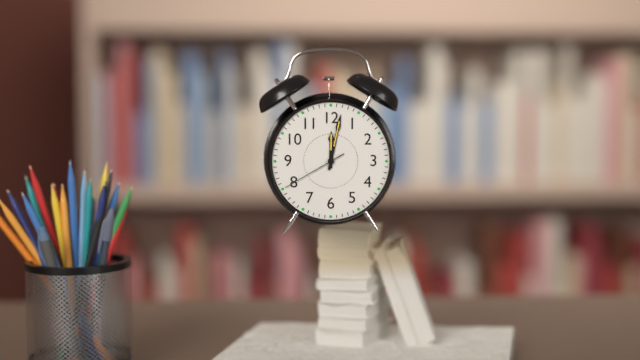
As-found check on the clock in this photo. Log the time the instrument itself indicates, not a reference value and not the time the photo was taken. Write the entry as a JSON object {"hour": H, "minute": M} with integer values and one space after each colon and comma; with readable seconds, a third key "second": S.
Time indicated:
{"hour": 12, "minute": 2, "second": 40}
